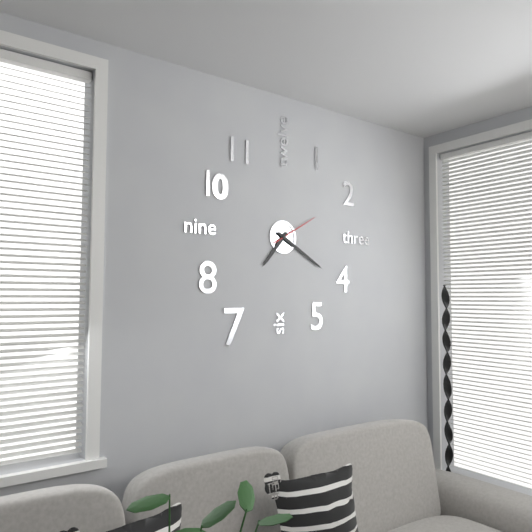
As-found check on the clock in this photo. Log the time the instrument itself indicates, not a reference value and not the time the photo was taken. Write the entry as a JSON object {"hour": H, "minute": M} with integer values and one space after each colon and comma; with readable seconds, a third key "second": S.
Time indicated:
{"hour": 7, "minute": 20}
